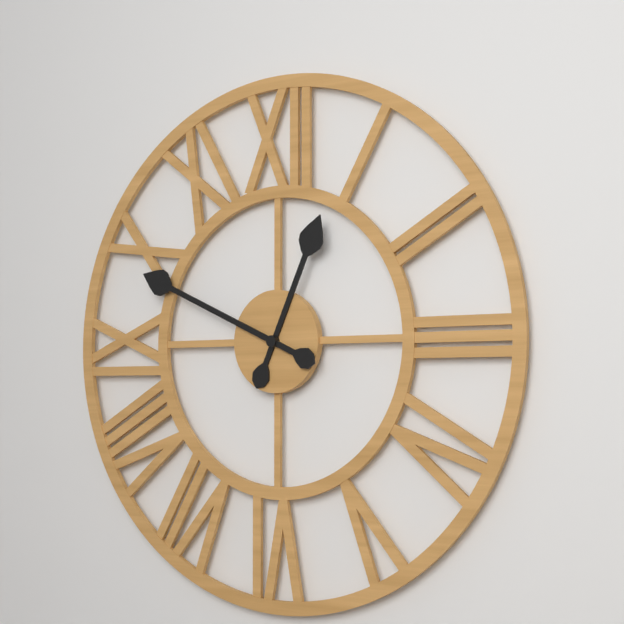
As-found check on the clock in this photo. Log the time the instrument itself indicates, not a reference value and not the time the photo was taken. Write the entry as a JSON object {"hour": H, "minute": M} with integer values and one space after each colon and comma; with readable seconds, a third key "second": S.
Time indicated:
{"hour": 12, "minute": 49}
